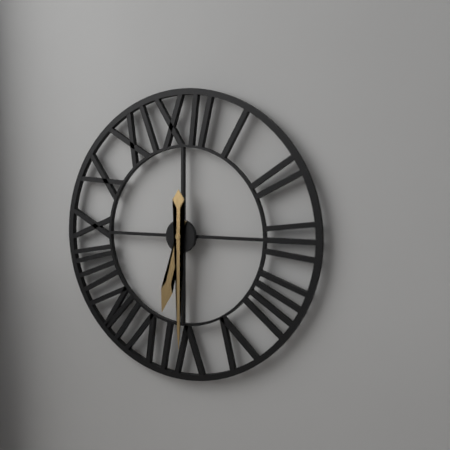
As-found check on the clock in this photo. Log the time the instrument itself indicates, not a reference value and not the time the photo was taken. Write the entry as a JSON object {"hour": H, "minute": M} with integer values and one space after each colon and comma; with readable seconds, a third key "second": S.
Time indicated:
{"hour": 6, "minute": 30}
